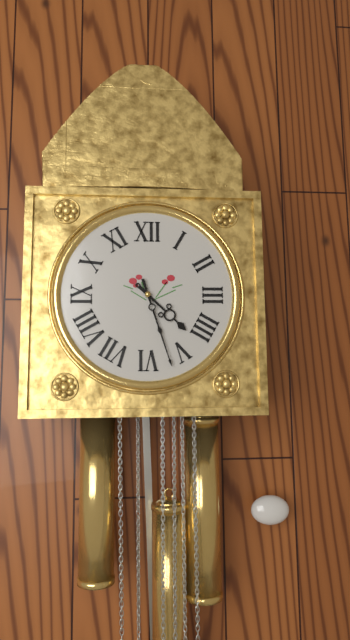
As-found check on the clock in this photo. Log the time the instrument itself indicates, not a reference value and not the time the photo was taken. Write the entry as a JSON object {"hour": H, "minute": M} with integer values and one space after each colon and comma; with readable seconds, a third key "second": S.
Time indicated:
{"hour": 4, "minute": 27}
